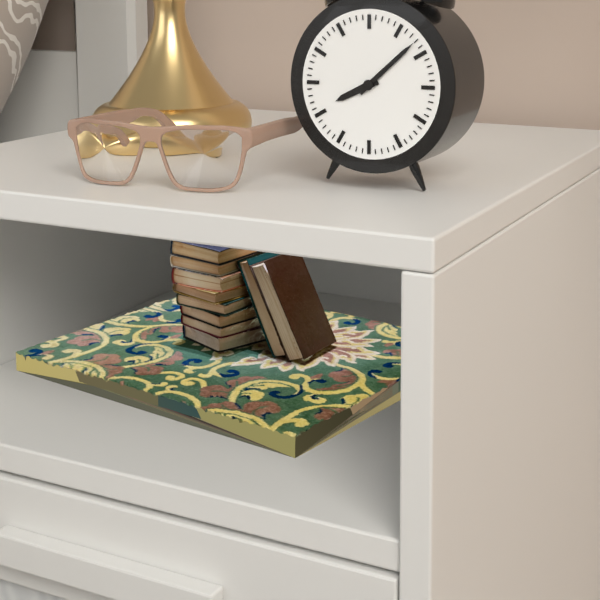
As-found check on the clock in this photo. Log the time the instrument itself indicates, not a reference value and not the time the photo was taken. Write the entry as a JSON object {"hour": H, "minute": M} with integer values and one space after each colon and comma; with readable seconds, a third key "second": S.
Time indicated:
{"hour": 8, "minute": 8}
